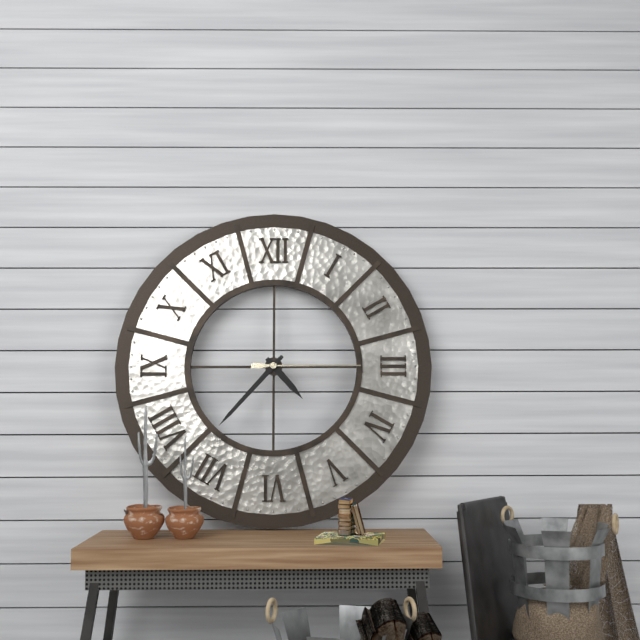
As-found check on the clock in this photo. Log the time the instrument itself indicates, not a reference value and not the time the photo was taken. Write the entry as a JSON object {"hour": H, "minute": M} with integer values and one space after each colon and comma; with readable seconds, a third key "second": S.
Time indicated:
{"hour": 4, "minute": 37, "second": 15}
